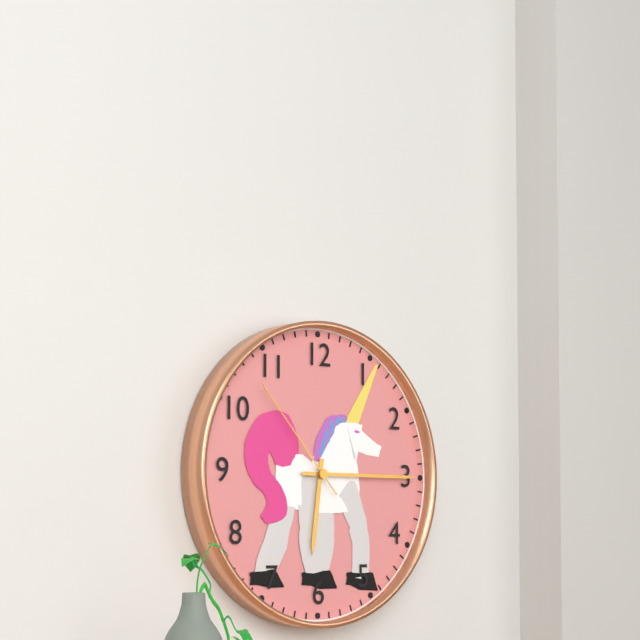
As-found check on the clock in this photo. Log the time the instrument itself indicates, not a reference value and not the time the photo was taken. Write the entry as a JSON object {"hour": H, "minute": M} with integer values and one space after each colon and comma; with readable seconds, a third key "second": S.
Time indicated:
{"hour": 6, "minute": 15, "second": 53}
